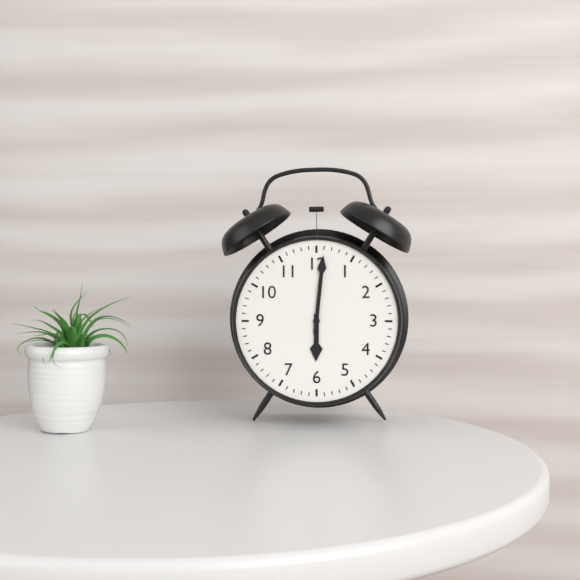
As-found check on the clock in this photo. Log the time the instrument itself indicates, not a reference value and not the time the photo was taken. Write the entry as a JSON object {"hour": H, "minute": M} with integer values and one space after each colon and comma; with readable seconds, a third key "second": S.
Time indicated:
{"hour": 6, "minute": 1}
